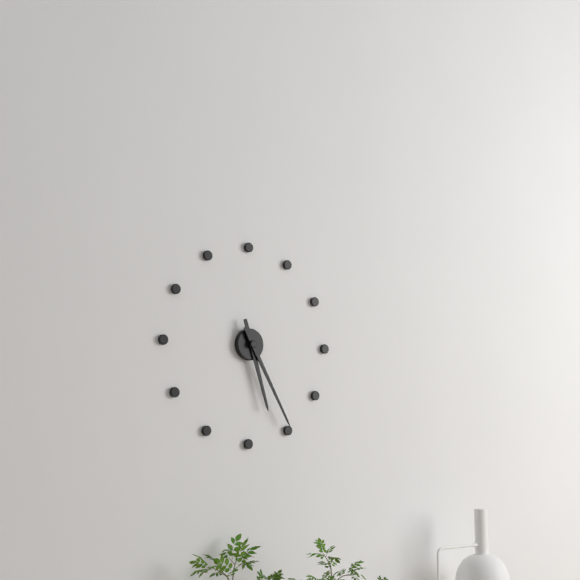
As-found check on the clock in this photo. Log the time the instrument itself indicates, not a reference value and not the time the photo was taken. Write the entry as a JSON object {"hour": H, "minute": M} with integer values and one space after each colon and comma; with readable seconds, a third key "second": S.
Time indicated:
{"hour": 5, "minute": 25}
